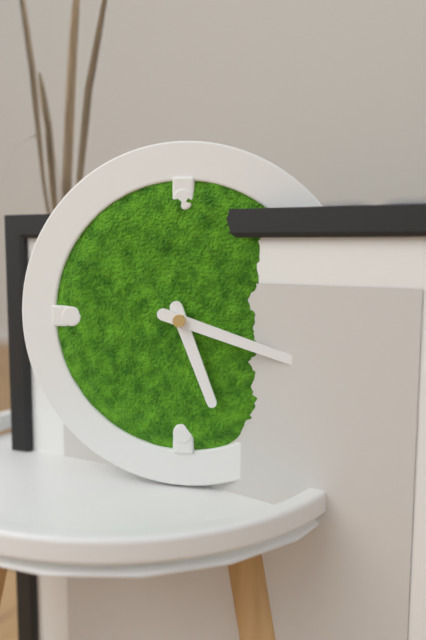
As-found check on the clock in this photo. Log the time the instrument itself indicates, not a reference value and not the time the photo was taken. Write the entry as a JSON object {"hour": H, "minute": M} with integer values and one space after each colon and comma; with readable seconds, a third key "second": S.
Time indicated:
{"hour": 5, "minute": 18}
